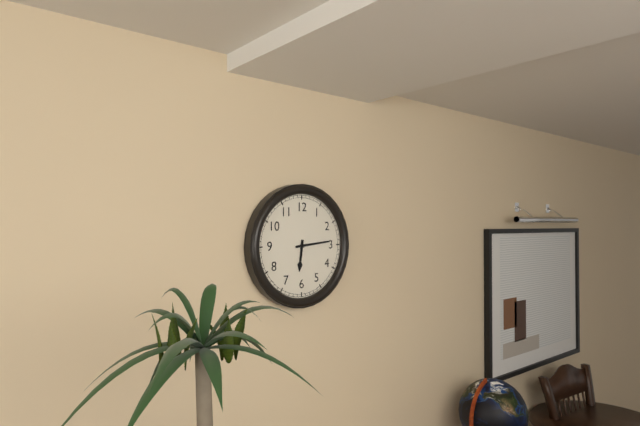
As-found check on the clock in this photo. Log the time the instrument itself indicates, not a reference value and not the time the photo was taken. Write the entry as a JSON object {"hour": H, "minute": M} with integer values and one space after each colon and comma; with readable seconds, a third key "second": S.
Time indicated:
{"hour": 6, "minute": 14}
